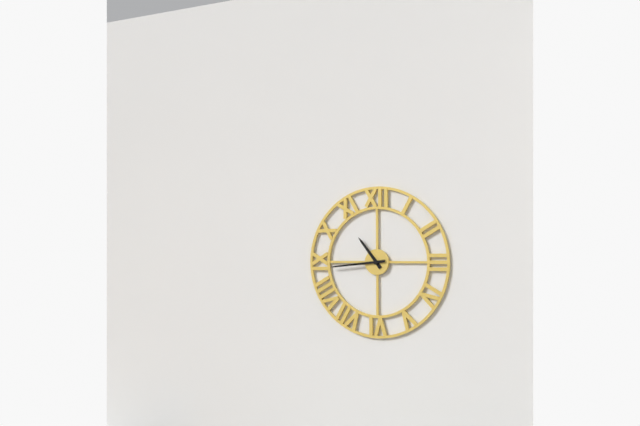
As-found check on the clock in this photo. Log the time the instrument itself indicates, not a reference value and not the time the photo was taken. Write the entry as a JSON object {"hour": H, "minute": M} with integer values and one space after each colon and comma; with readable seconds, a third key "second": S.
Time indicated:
{"hour": 10, "minute": 44}
